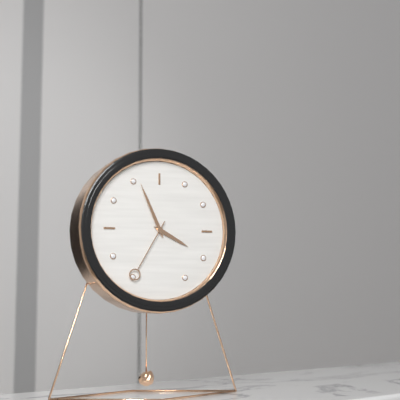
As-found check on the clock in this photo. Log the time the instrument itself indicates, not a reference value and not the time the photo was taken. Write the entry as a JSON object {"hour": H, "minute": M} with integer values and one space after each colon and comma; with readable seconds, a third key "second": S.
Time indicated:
{"hour": 3, "minute": 56, "second": 35}
